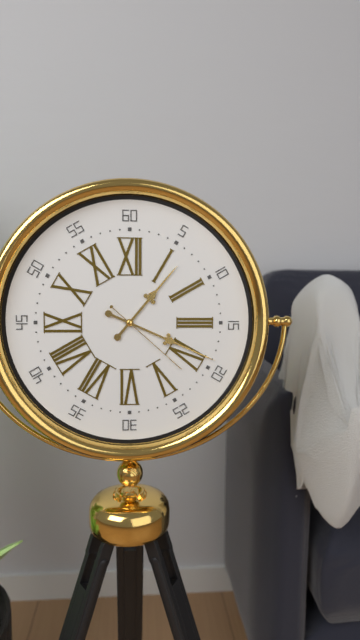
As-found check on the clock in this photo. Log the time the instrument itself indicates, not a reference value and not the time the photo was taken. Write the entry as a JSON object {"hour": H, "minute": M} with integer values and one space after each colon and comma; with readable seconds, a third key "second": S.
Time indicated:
{"hour": 1, "minute": 19, "second": 22}
